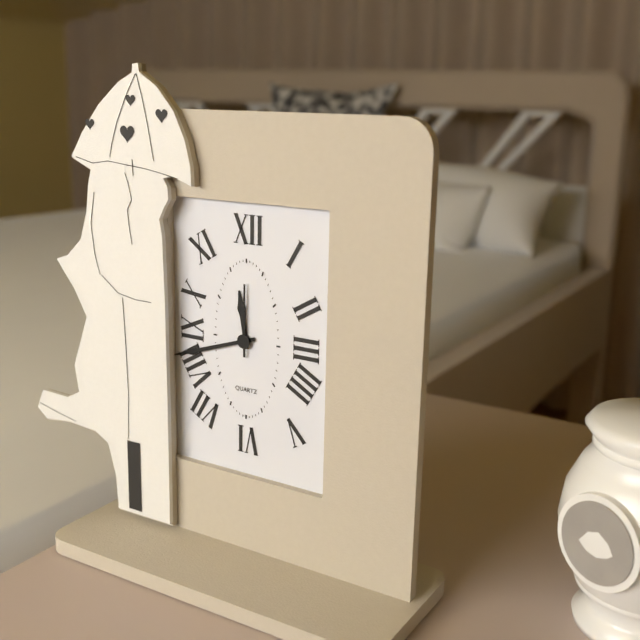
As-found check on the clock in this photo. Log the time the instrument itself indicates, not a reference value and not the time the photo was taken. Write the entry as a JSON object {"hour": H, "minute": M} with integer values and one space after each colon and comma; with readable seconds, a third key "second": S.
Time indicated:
{"hour": 11, "minute": 42, "second": 0}
